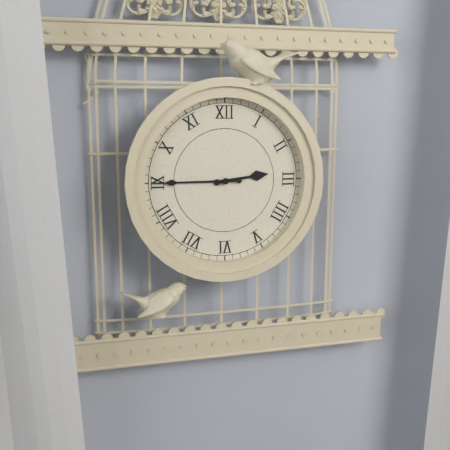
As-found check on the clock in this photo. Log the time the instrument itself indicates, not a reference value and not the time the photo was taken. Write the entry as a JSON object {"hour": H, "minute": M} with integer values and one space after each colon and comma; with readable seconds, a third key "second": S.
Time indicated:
{"hour": 2, "minute": 45}
